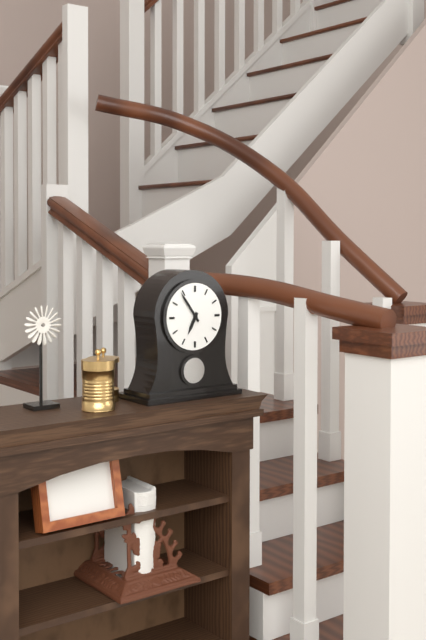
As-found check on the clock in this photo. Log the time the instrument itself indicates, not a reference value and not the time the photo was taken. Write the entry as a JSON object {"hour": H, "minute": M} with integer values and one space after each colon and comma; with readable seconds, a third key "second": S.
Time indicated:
{"hour": 6, "minute": 54}
